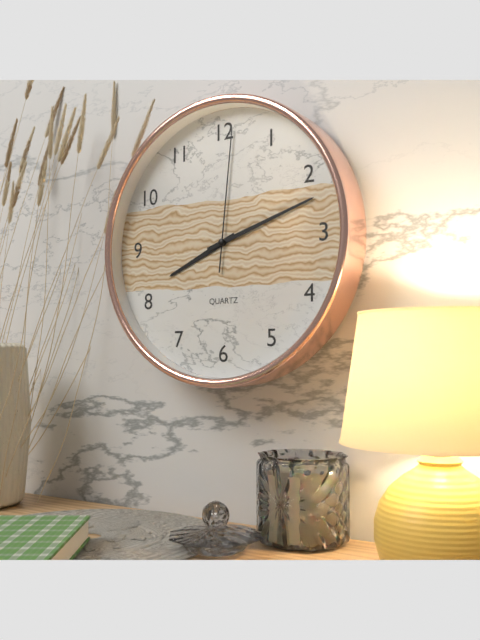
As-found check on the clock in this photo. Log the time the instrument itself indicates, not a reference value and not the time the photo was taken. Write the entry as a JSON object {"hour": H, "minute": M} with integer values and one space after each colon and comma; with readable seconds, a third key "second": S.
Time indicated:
{"hour": 8, "minute": 12, "second": 1}
